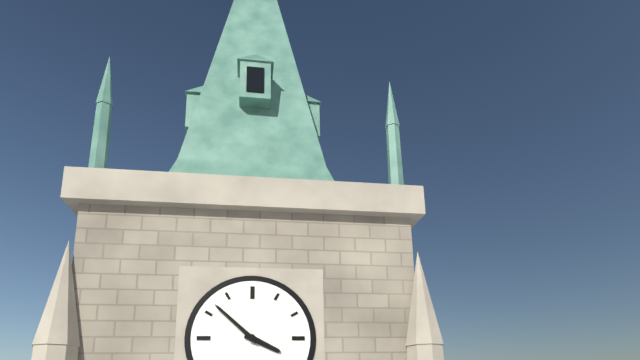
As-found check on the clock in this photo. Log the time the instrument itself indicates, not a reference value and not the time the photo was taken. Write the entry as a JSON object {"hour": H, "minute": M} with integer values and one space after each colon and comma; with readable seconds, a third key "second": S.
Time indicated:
{"hour": 3, "minute": 52}
